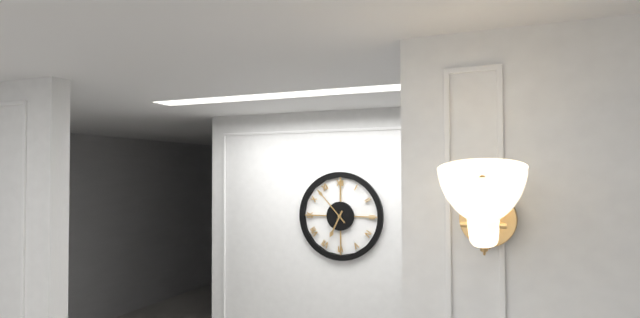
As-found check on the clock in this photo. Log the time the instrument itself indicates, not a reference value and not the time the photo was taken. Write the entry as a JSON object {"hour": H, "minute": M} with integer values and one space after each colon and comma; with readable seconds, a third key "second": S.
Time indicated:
{"hour": 6, "minute": 53}
